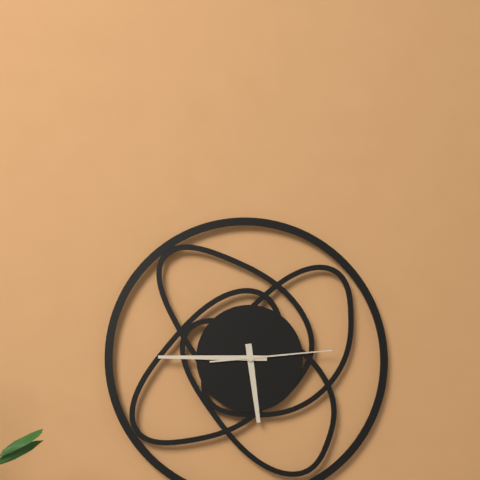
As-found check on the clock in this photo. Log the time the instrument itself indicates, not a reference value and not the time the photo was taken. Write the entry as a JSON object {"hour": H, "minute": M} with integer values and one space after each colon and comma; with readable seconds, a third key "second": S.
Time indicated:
{"hour": 5, "minute": 45, "second": 14}
